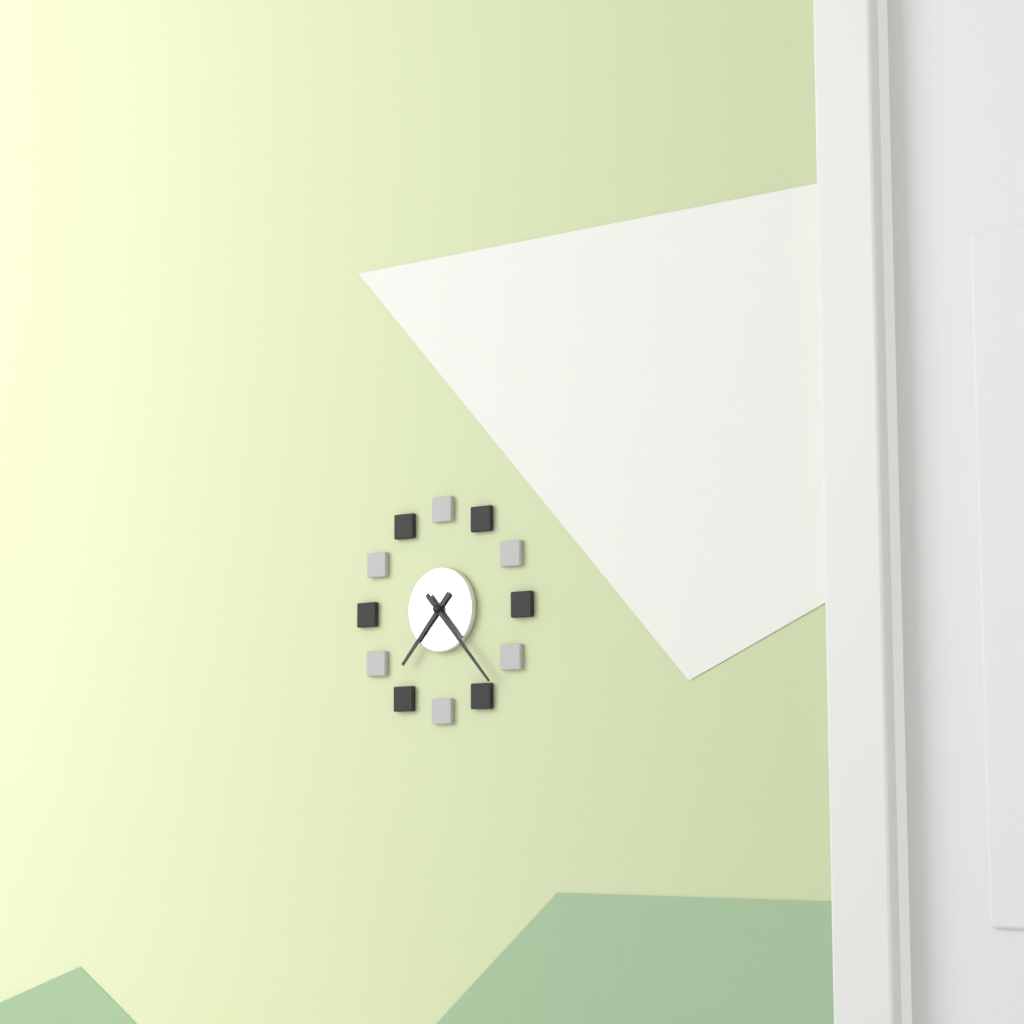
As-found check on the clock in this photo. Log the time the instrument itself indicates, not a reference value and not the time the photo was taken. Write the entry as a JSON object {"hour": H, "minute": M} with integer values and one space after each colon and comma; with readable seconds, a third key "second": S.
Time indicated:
{"hour": 7, "minute": 23}
